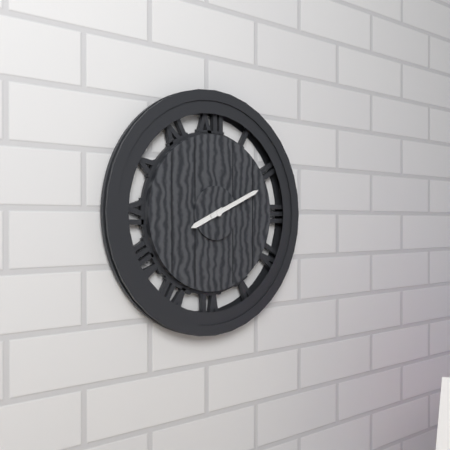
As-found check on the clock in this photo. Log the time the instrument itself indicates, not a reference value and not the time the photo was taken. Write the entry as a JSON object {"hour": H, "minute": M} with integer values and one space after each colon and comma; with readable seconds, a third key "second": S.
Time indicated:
{"hour": 8, "minute": 11}
